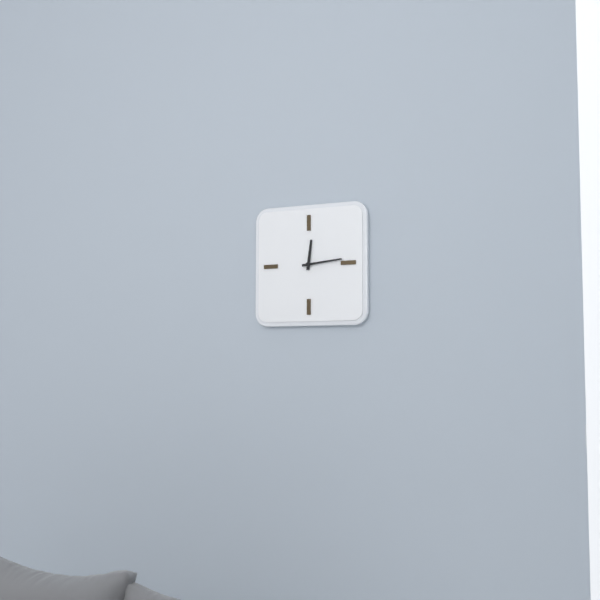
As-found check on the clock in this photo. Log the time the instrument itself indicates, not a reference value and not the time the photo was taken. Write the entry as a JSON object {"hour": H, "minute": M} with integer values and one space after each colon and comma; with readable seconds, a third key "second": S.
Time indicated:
{"hour": 12, "minute": 14}
